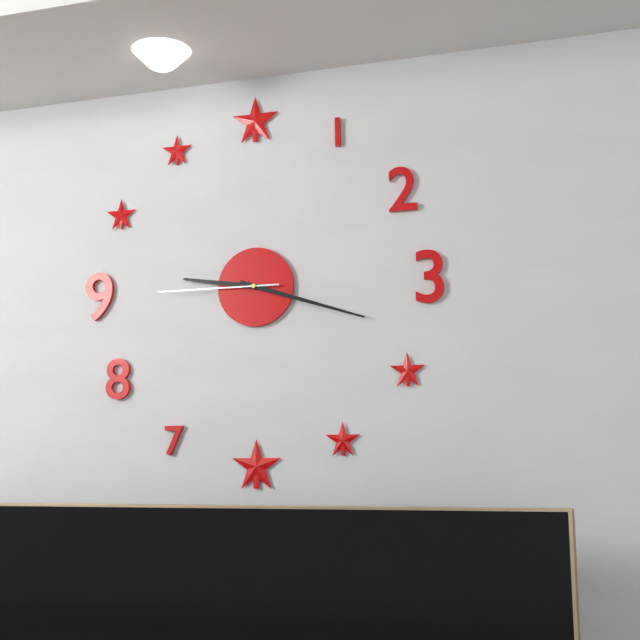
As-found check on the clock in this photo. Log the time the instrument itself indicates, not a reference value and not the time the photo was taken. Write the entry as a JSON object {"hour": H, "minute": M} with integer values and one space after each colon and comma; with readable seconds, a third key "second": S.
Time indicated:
{"hour": 9, "minute": 18, "second": 45}
